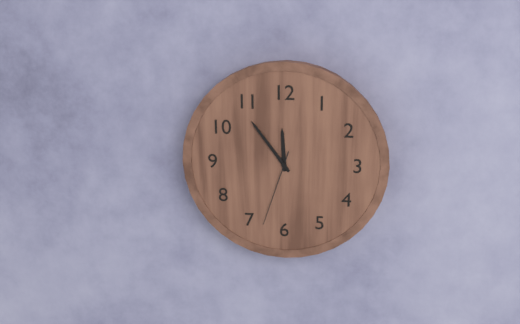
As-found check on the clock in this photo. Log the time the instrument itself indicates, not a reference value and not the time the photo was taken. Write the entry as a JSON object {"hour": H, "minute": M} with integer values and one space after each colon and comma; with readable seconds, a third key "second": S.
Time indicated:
{"hour": 11, "minute": 54, "second": 33}
